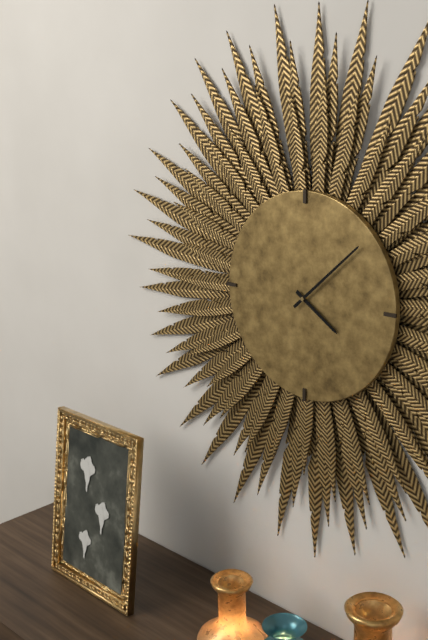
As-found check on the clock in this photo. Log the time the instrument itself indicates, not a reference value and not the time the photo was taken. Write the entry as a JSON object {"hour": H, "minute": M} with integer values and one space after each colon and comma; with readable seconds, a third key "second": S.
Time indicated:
{"hour": 4, "minute": 8}
